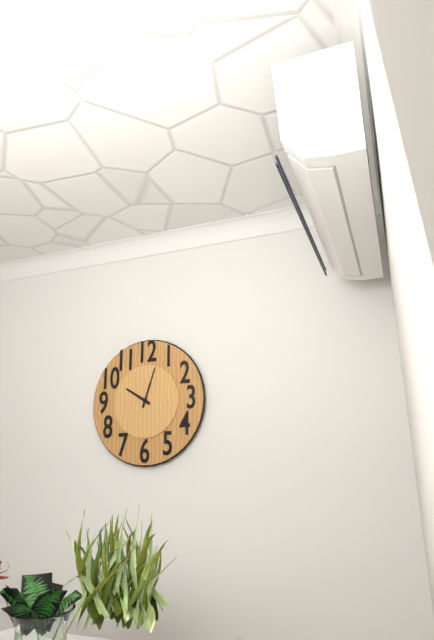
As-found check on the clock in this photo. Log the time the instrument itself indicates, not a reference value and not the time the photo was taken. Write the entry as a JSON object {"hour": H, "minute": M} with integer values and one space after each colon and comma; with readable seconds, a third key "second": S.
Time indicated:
{"hour": 10, "minute": 3}
